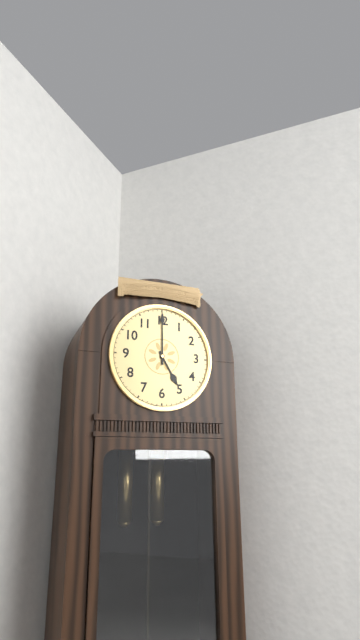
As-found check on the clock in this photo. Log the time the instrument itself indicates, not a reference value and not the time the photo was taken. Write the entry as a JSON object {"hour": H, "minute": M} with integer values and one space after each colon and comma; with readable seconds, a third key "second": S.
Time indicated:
{"hour": 5, "minute": 0}
